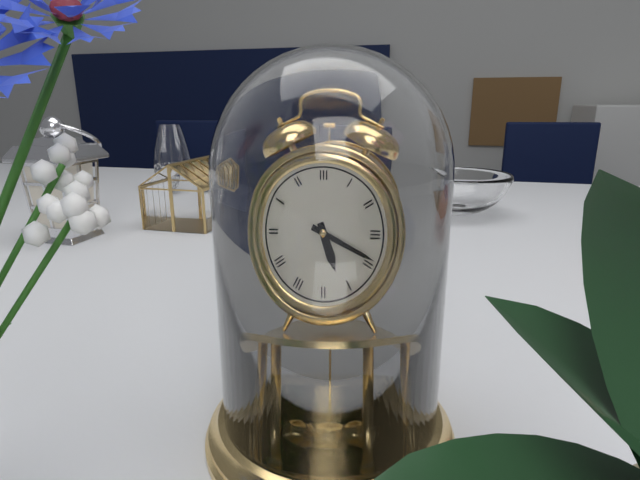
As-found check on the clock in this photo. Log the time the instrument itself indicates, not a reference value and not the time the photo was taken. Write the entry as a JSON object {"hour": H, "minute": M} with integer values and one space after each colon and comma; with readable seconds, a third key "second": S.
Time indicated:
{"hour": 5, "minute": 19}
